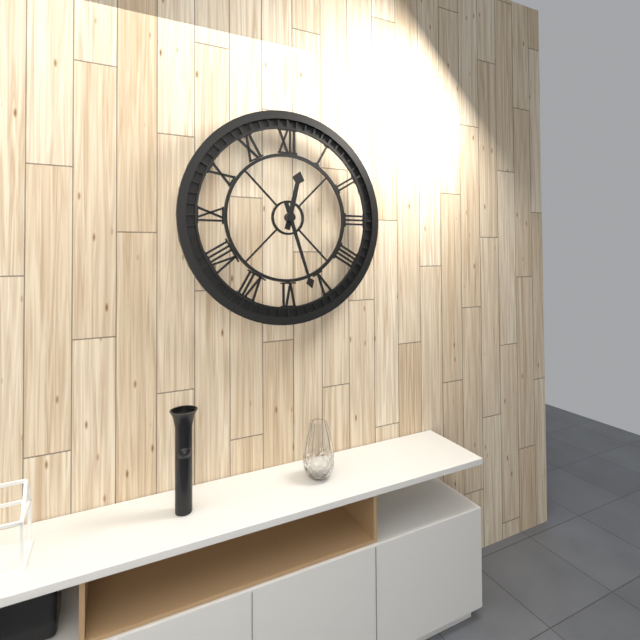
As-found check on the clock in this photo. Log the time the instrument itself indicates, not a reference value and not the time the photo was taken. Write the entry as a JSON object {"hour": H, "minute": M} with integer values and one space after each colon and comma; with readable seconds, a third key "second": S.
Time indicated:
{"hour": 12, "minute": 27}
